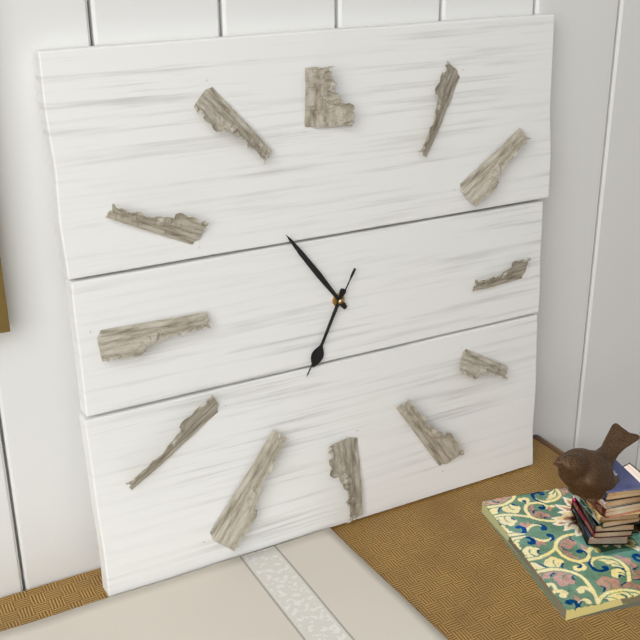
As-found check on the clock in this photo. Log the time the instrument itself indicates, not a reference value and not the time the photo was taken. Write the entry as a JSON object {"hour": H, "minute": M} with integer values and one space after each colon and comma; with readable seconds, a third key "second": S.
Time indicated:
{"hour": 6, "minute": 54, "second": 35}
